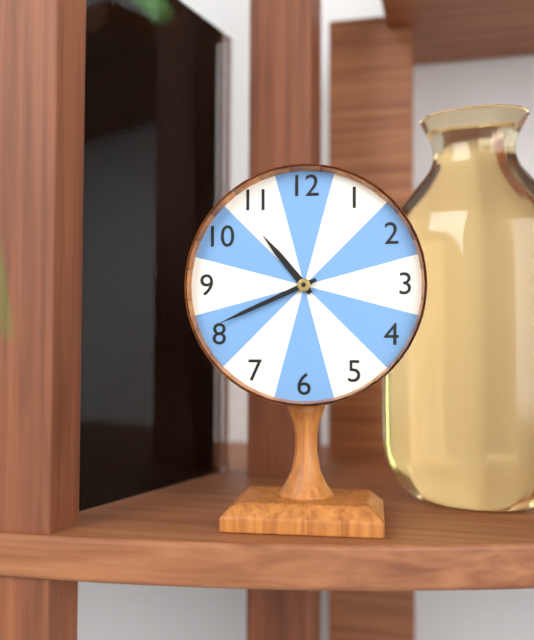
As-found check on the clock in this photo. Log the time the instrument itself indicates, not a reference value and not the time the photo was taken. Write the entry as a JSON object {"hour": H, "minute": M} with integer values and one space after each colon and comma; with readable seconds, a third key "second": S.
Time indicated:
{"hour": 10, "minute": 41}
